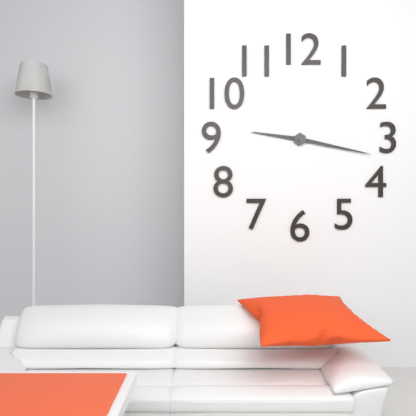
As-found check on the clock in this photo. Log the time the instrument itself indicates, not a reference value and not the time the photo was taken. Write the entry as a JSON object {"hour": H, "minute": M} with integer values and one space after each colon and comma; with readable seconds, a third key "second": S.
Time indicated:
{"hour": 9, "minute": 17}
